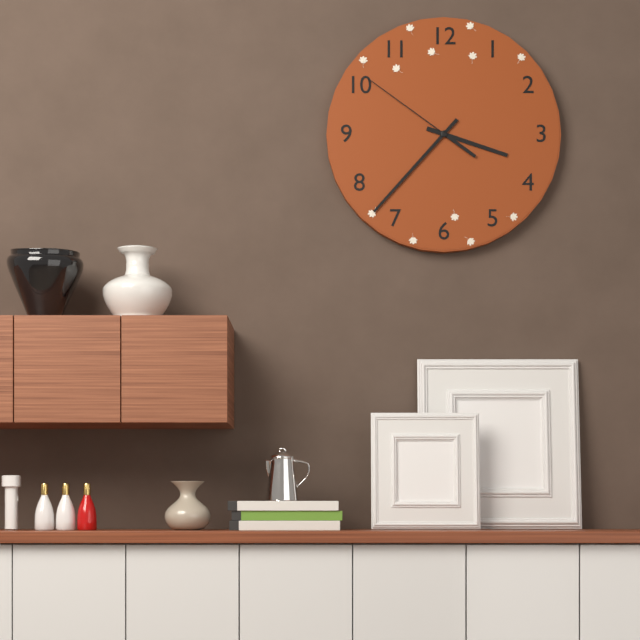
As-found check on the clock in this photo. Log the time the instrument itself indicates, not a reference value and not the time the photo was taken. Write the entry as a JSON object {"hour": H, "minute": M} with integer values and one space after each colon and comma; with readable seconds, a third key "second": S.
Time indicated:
{"hour": 3, "minute": 37, "second": 51}
